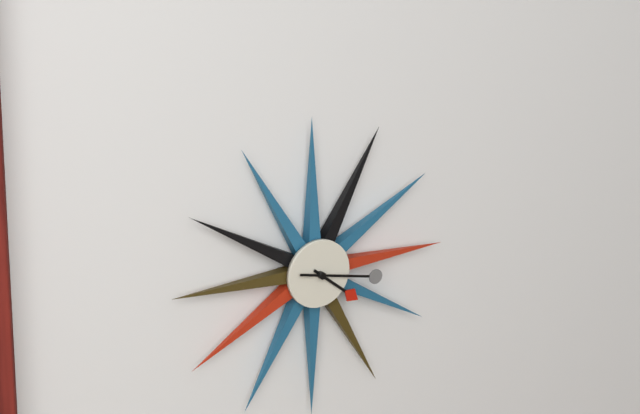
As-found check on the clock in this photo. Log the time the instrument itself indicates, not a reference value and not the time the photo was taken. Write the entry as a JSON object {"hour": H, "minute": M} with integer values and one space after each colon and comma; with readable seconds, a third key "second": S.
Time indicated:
{"hour": 4, "minute": 17}
